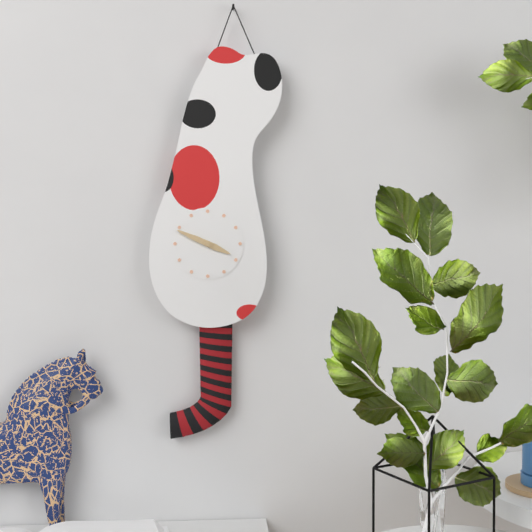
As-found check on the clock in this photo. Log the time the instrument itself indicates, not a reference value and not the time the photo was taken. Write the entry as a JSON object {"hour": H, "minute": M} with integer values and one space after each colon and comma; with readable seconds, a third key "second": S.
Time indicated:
{"hour": 3, "minute": 49}
